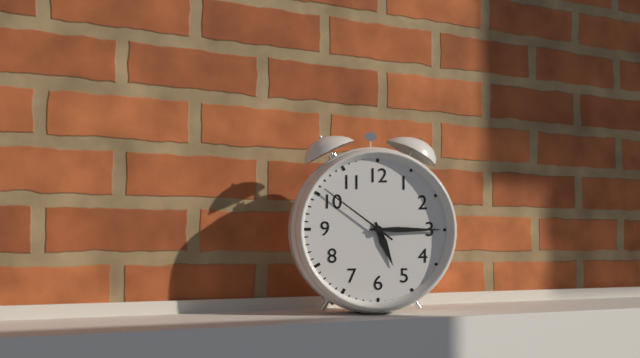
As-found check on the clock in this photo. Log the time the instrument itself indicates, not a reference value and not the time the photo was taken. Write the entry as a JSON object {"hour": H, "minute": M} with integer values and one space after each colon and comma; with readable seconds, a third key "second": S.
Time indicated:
{"hour": 5, "minute": 15, "second": 51}
